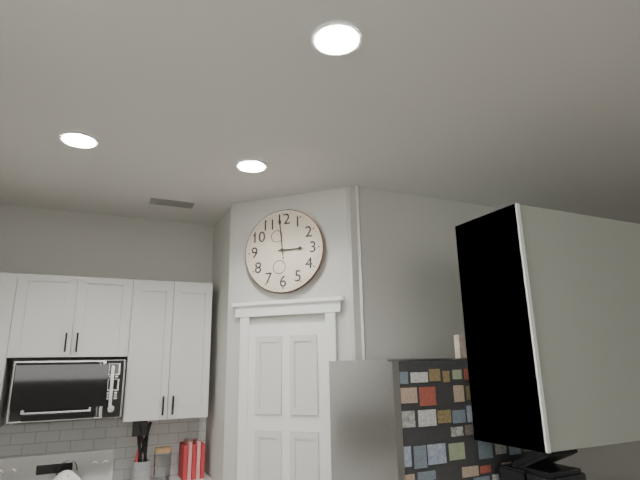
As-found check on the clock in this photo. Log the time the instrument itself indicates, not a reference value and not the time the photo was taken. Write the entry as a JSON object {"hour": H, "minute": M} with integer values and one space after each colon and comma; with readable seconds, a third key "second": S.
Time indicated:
{"hour": 2, "minute": 59}
